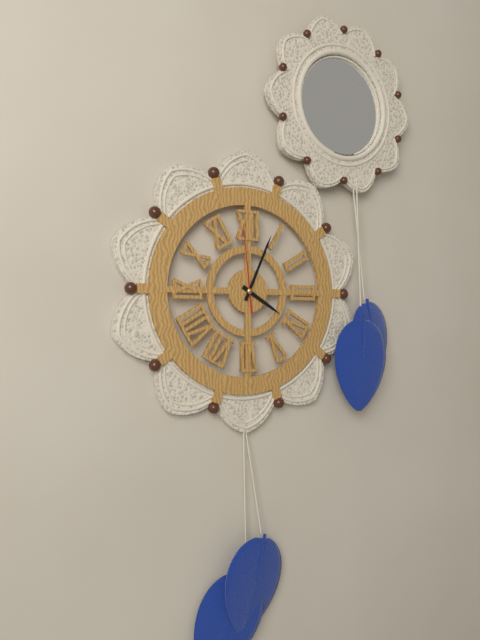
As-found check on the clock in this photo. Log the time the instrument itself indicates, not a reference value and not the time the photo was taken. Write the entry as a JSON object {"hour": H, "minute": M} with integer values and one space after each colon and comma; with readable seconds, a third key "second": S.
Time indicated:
{"hour": 4, "minute": 4, "second": 59}
